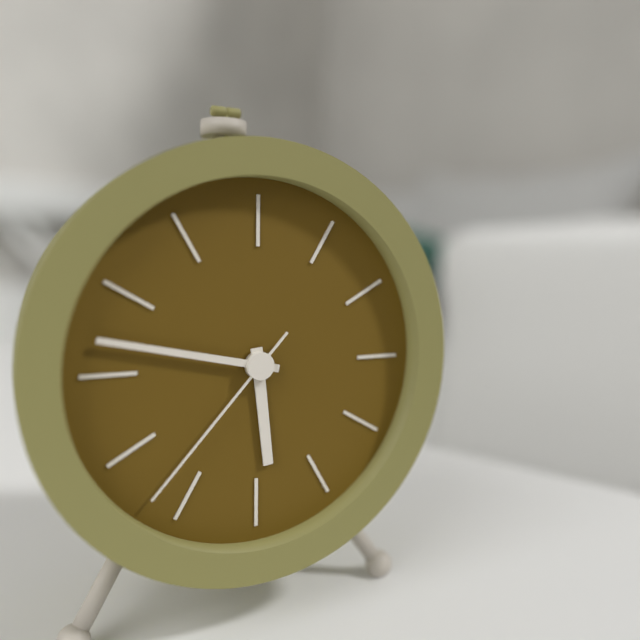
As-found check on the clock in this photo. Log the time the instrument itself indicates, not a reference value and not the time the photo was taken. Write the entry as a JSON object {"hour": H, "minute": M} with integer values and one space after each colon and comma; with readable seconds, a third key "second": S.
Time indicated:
{"hour": 5, "minute": 47, "second": 37}
